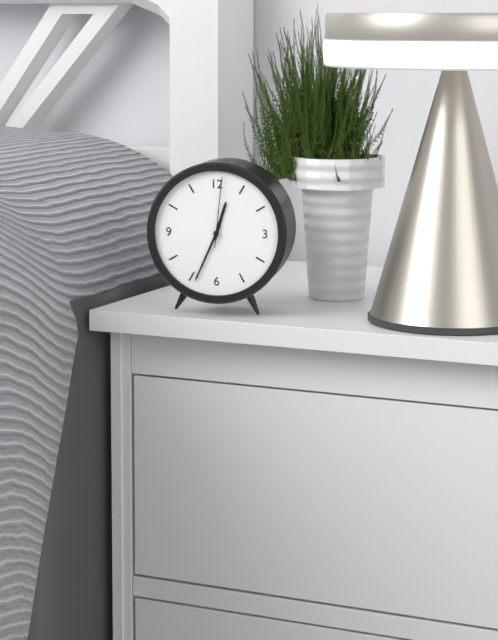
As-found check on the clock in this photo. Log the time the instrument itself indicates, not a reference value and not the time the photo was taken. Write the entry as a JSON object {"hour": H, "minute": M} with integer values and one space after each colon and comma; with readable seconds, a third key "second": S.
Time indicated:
{"hour": 12, "minute": 34, "second": 1}
